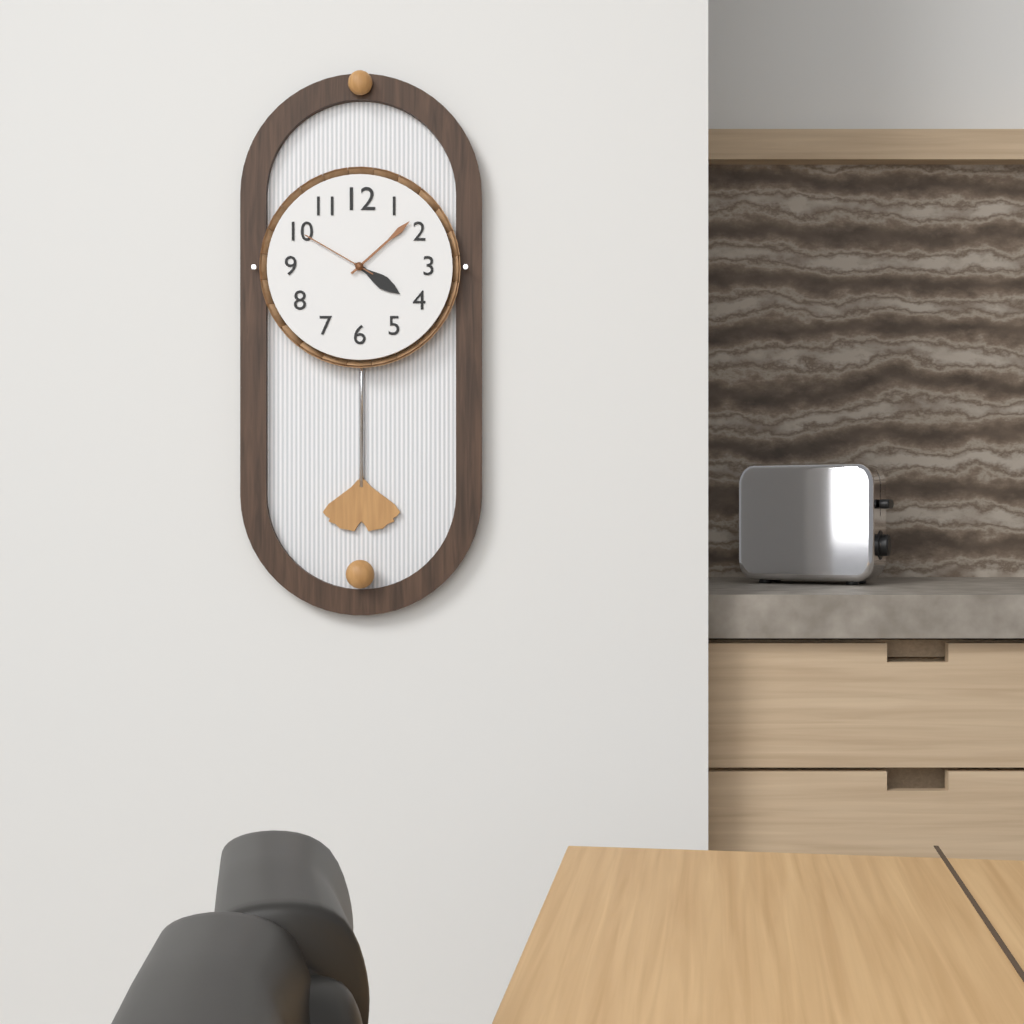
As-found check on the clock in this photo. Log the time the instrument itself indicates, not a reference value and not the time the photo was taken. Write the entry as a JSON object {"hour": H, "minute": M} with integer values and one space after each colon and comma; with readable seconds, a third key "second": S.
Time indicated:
{"hour": 4, "minute": 8, "second": 50}
